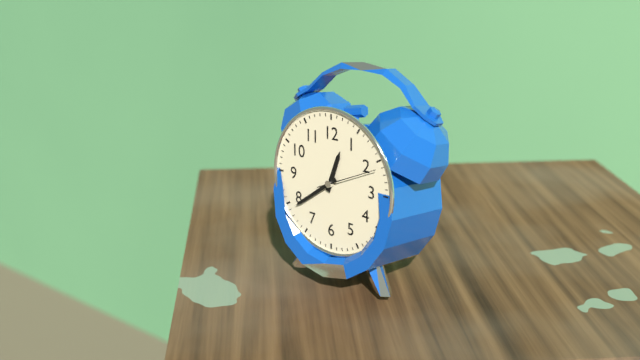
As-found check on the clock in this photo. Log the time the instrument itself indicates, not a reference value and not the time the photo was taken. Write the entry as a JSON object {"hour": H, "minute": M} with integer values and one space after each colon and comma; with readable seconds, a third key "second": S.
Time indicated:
{"hour": 12, "minute": 39, "second": 11}
